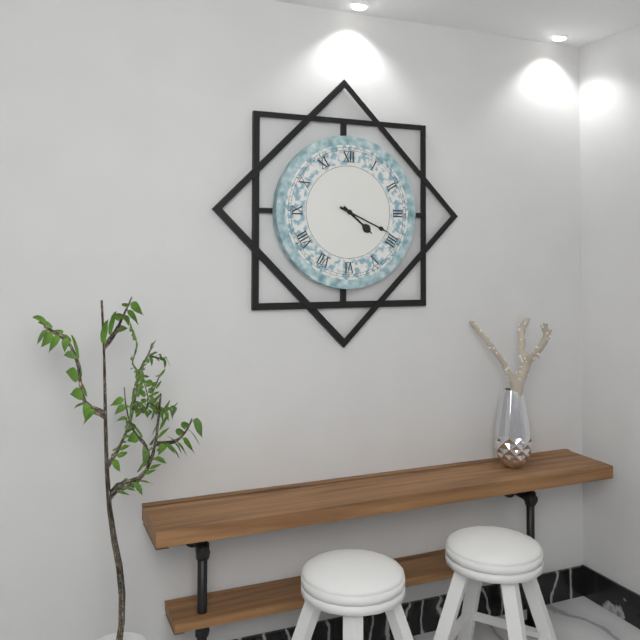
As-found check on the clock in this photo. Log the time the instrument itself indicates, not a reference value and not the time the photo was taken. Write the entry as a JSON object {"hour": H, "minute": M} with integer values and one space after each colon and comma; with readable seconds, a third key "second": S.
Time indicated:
{"hour": 4, "minute": 19}
